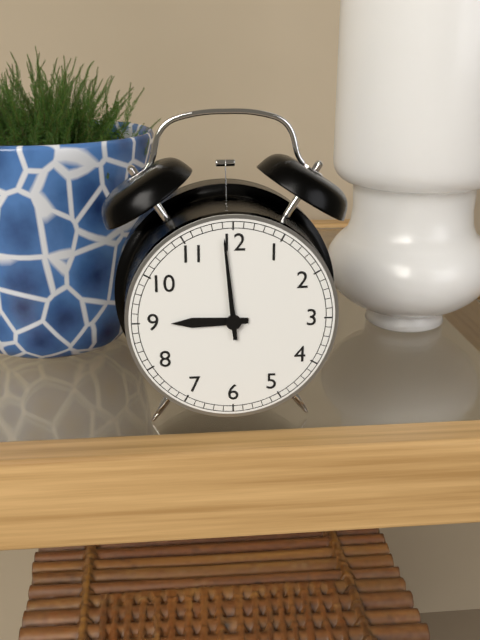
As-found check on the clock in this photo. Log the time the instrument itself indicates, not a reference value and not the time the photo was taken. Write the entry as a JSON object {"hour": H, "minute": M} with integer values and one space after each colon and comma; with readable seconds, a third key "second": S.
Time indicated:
{"hour": 8, "minute": 59}
